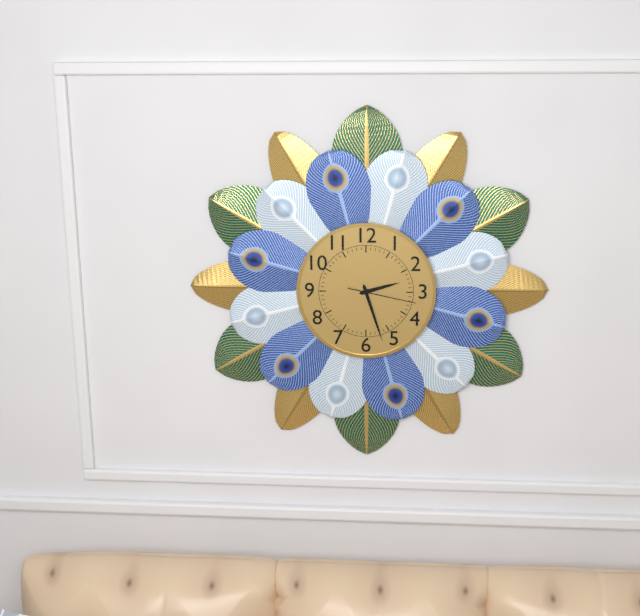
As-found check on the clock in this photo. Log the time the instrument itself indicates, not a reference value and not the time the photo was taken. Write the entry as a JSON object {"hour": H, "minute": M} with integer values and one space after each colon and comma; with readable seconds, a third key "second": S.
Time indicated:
{"hour": 2, "minute": 27, "second": 17}
